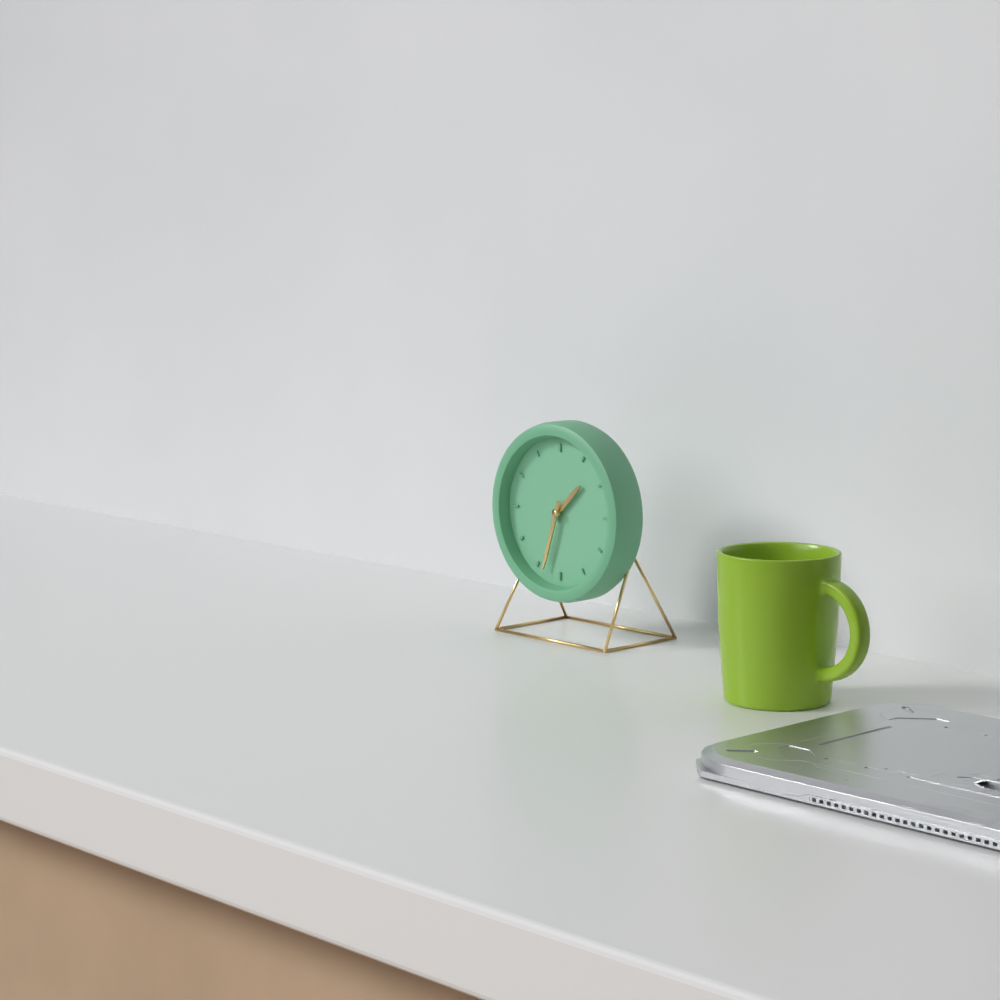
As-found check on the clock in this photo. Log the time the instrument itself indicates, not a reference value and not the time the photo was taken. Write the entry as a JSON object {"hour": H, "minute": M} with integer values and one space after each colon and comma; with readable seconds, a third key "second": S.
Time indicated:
{"hour": 1, "minute": 33}
